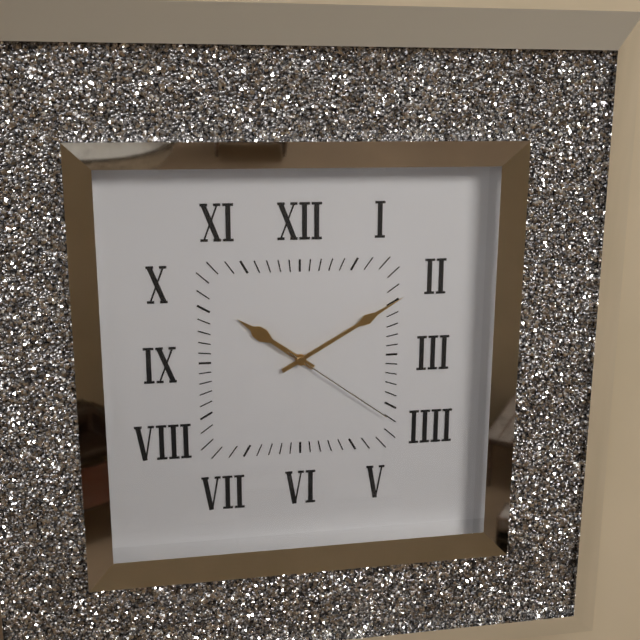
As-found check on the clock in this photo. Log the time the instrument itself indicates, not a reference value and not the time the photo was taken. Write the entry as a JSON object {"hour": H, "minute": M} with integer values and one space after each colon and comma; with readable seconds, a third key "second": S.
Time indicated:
{"hour": 10, "minute": 10, "second": 21}
